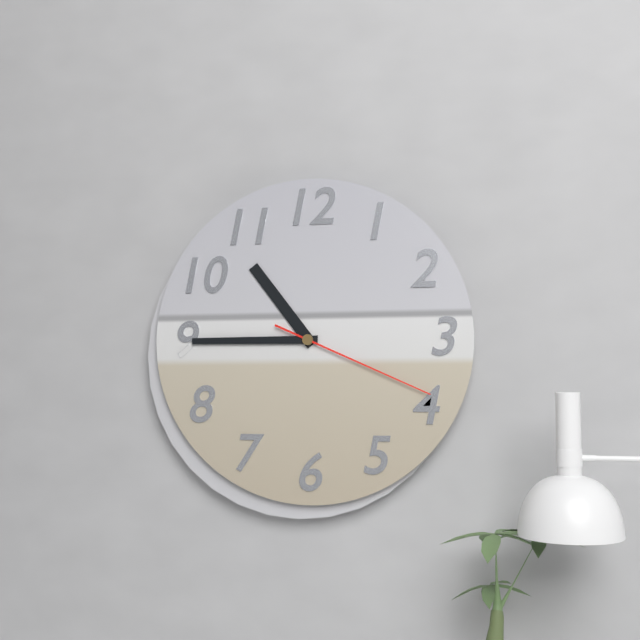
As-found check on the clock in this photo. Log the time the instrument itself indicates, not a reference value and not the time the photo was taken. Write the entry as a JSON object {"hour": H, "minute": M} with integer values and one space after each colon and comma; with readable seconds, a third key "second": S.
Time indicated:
{"hour": 10, "minute": 45, "second": 19}
